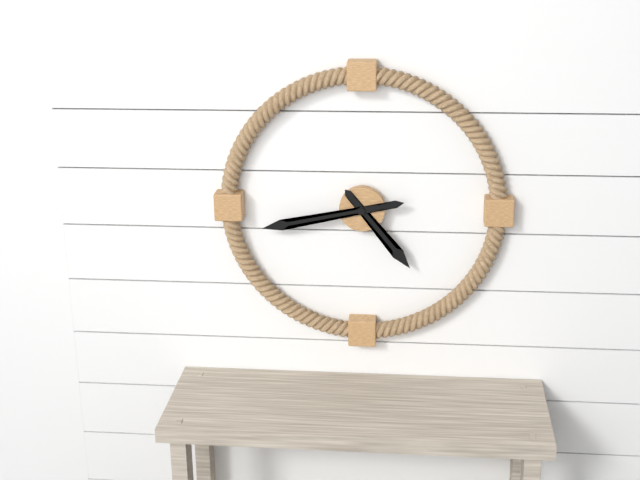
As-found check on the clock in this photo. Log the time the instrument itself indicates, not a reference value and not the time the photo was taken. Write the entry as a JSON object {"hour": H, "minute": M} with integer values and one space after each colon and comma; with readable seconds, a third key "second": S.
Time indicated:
{"hour": 4, "minute": 43}
